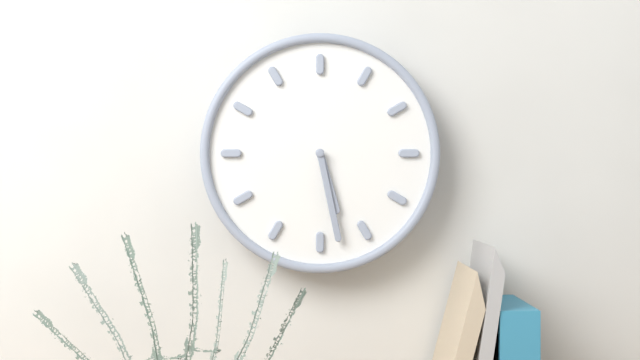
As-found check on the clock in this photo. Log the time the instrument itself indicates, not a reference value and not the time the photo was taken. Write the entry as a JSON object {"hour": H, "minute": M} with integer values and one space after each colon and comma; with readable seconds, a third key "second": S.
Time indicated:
{"hour": 5, "minute": 28}
